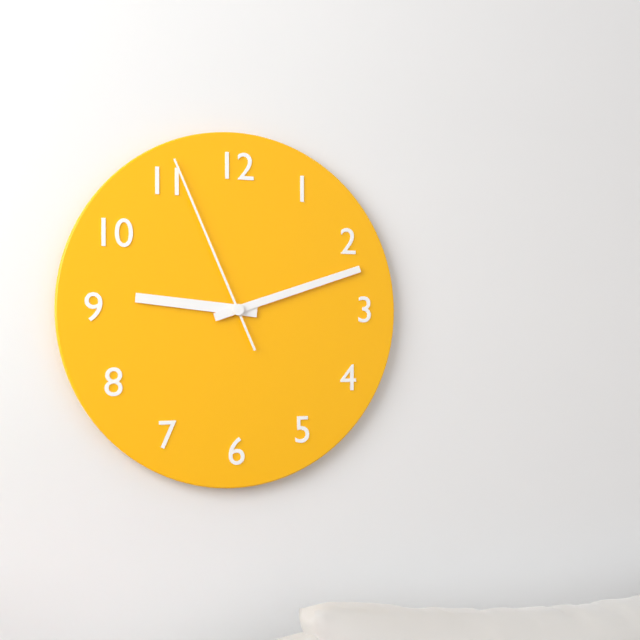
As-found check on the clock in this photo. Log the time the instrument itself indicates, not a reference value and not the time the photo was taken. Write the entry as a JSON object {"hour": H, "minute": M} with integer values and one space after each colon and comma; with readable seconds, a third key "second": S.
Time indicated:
{"hour": 9, "minute": 12, "second": 56}
